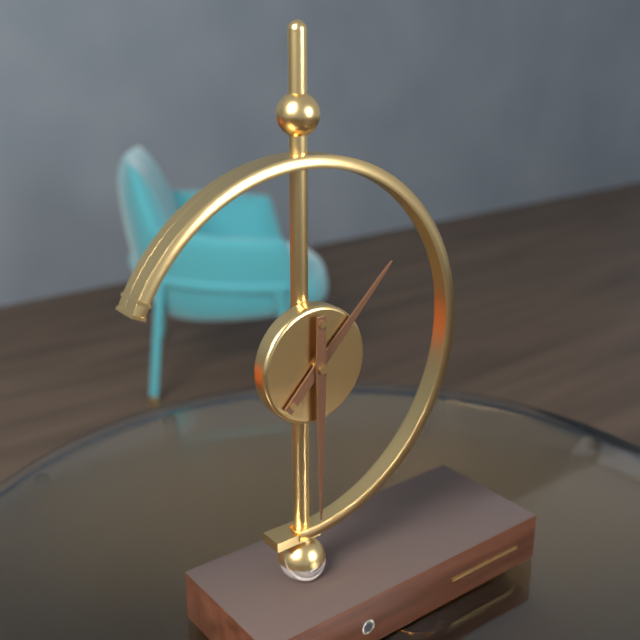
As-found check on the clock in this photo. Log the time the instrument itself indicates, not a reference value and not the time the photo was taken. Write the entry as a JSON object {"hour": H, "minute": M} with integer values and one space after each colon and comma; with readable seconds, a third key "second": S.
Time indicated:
{"hour": 1, "minute": 30}
